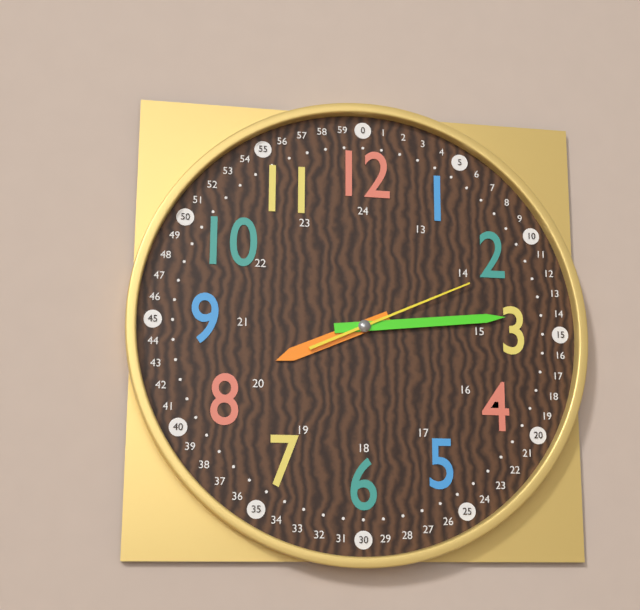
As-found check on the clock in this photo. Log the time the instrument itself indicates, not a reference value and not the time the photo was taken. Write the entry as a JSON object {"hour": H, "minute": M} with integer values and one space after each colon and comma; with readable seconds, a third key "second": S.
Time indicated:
{"hour": 8, "minute": 14, "second": 11}
